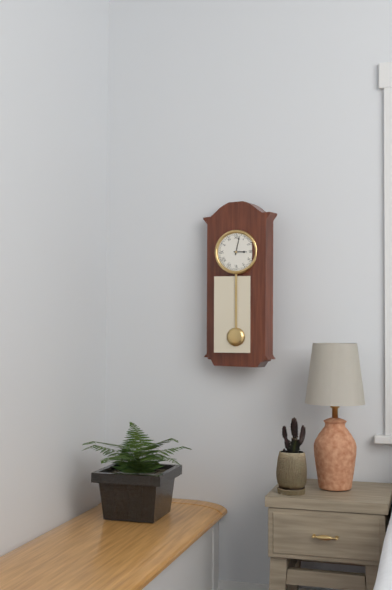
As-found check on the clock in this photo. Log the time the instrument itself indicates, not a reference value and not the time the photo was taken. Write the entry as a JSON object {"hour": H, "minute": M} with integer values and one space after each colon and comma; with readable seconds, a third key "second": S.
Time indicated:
{"hour": 3, "minute": 2}
